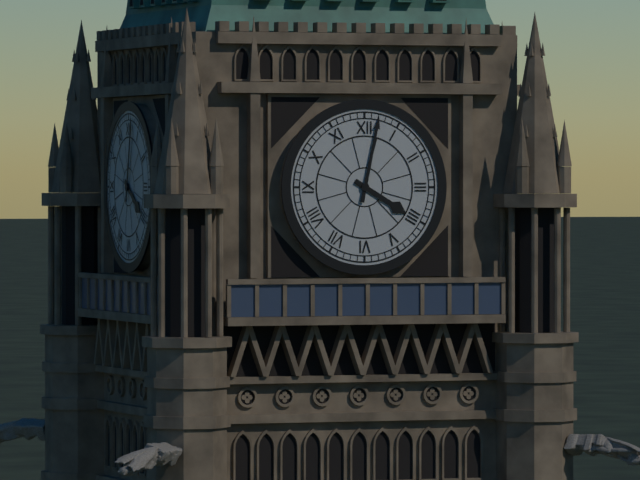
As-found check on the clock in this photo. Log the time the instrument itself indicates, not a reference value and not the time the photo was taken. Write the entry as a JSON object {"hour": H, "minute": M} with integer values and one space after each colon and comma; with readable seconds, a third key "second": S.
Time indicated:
{"hour": 4, "minute": 2}
